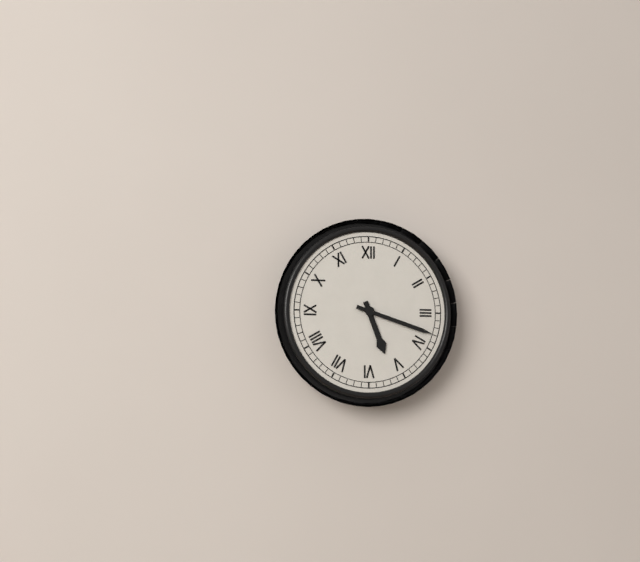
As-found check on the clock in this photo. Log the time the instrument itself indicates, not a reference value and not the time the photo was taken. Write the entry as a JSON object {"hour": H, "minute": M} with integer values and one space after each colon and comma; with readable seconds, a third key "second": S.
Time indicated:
{"hour": 5, "minute": 18}
